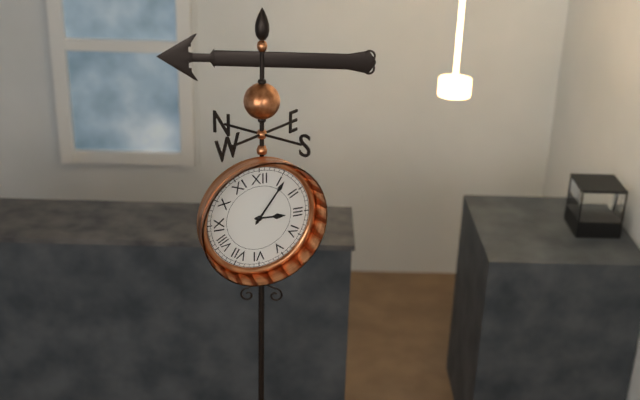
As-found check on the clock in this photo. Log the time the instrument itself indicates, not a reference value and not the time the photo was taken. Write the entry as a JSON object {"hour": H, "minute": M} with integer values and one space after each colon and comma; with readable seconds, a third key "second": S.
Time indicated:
{"hour": 3, "minute": 6}
